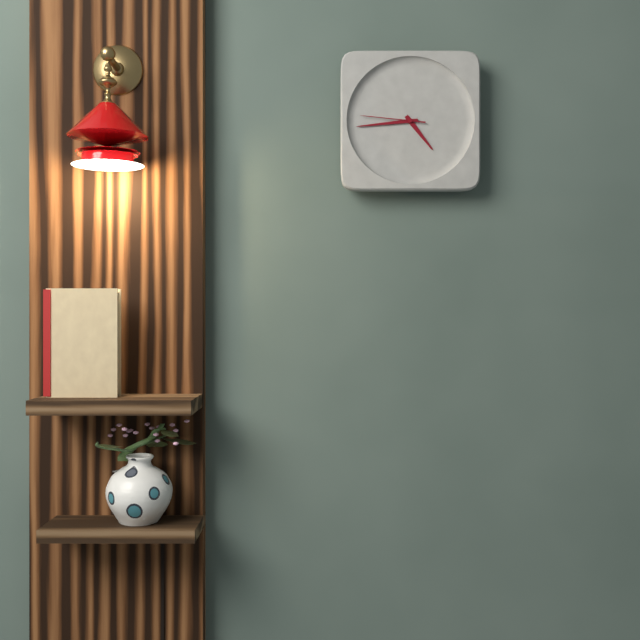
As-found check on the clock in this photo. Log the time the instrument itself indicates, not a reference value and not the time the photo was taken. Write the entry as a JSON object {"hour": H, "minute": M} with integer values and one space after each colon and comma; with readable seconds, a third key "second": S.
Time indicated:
{"hour": 4, "minute": 44, "second": 46}
